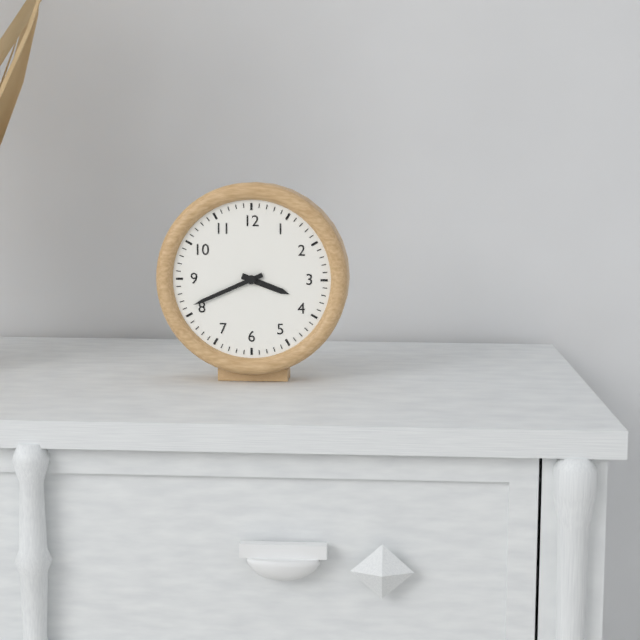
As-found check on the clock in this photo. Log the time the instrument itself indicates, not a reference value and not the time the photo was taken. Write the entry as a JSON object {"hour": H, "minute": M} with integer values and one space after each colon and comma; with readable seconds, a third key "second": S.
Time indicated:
{"hour": 3, "minute": 41}
